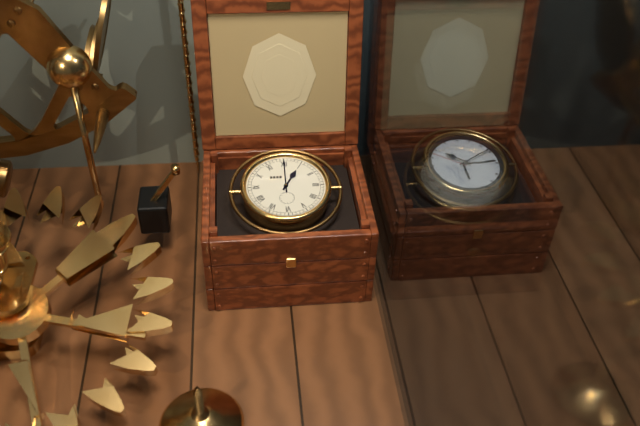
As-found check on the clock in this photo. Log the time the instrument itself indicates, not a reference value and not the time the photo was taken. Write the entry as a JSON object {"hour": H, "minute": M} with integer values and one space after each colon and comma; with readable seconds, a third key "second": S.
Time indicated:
{"hour": 1, "minute": 0}
